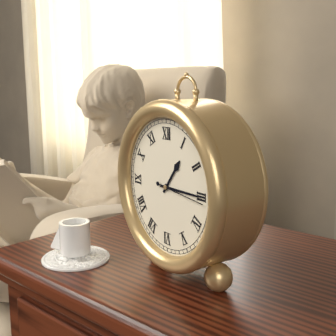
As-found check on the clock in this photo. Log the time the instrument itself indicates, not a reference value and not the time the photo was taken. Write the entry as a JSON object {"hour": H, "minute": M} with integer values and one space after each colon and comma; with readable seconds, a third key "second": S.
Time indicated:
{"hour": 1, "minute": 15}
